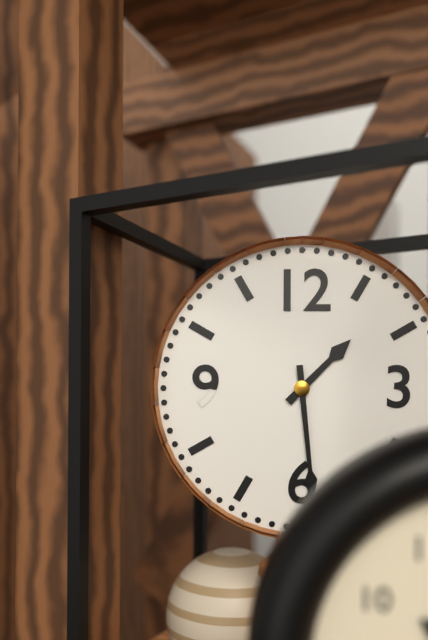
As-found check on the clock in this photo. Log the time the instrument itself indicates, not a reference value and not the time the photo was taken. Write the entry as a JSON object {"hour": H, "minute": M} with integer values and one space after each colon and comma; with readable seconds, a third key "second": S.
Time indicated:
{"hour": 1, "minute": 29}
